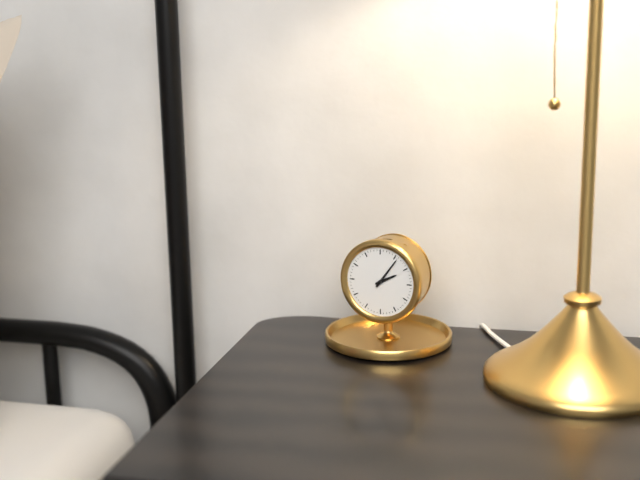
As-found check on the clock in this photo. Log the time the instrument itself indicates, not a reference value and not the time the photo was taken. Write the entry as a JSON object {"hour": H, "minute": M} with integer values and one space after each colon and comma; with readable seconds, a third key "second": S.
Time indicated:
{"hour": 2, "minute": 6}
